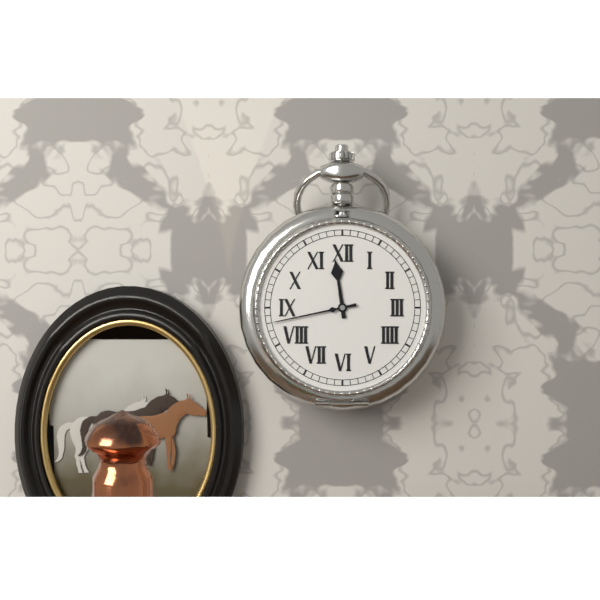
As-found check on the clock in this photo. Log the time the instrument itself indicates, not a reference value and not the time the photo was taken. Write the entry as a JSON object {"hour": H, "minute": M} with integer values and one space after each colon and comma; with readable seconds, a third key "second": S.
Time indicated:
{"hour": 11, "minute": 43}
